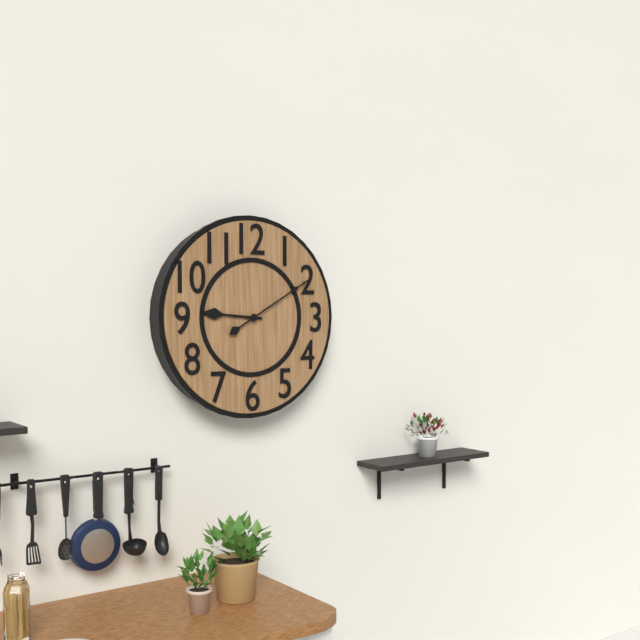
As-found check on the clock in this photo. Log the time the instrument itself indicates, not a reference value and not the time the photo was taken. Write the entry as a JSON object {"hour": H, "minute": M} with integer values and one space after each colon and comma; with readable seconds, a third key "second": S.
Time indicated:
{"hour": 9, "minute": 10}
